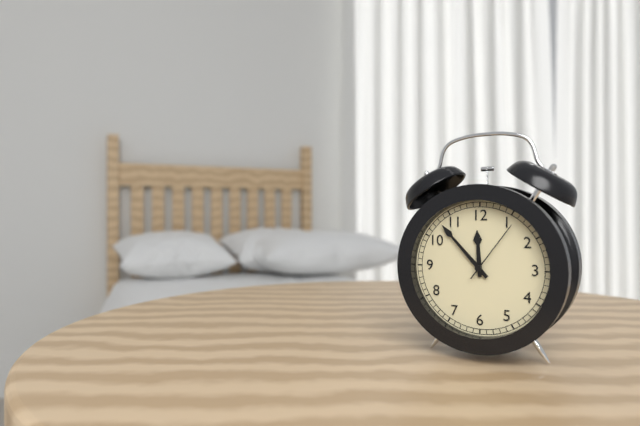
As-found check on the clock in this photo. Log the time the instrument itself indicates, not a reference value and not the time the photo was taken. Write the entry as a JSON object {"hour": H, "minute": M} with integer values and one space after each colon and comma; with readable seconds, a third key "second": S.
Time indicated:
{"hour": 11, "minute": 53, "second": 6}
